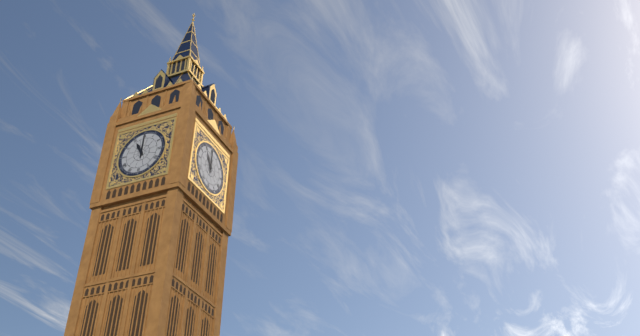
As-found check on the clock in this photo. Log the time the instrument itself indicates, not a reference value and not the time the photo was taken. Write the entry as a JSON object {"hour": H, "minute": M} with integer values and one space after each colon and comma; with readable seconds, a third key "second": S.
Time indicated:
{"hour": 11, "minute": 0}
